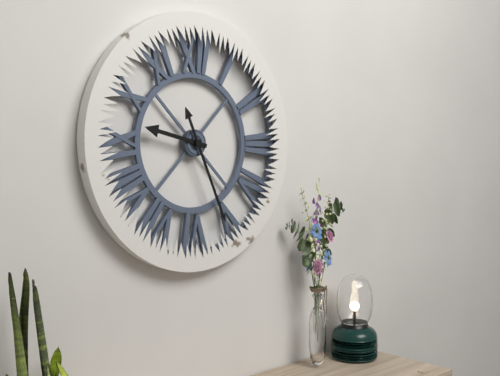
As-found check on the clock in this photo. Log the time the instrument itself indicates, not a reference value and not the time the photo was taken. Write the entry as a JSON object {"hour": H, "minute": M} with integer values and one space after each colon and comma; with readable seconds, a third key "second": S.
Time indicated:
{"hour": 9, "minute": 26}
